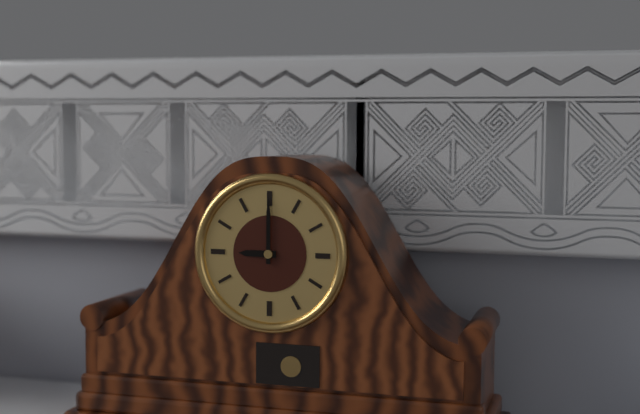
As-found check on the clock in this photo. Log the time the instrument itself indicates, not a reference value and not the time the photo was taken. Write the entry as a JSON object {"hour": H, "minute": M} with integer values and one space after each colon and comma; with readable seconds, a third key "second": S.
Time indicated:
{"hour": 9, "minute": 0}
